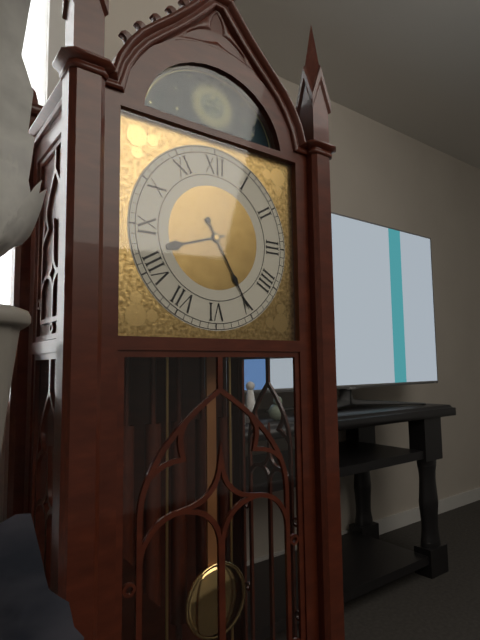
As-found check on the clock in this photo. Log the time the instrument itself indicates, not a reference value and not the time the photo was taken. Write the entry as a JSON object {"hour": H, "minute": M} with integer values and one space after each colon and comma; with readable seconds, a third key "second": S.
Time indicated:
{"hour": 8, "minute": 25}
